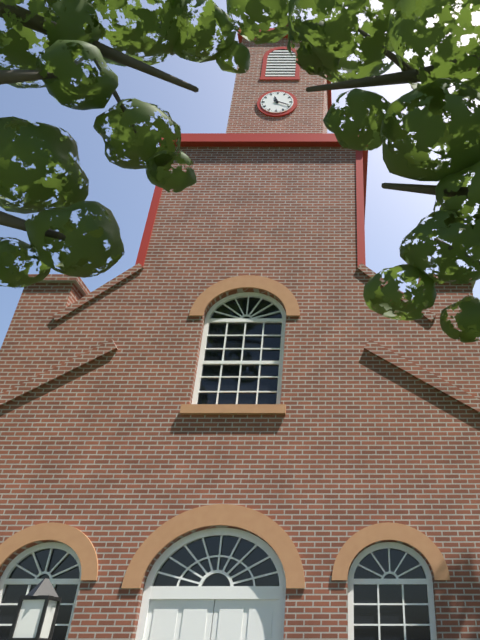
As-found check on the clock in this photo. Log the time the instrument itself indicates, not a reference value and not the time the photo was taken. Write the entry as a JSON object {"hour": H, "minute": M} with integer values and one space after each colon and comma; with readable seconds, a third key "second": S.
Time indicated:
{"hour": 11, "minute": 19}
